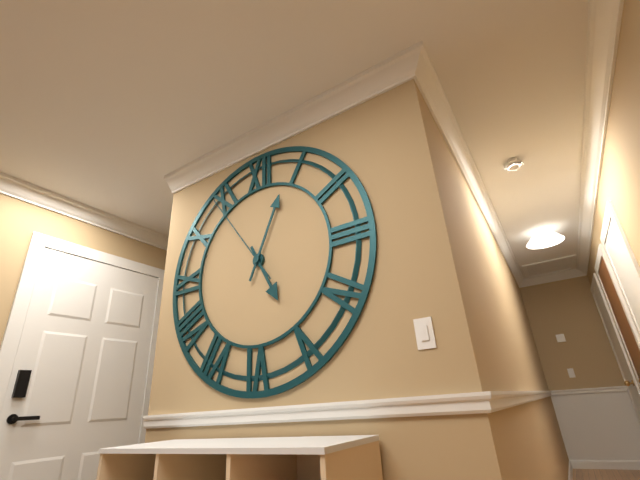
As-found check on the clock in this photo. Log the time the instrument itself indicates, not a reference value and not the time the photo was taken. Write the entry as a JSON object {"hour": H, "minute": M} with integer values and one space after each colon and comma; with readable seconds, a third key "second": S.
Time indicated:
{"hour": 5, "minute": 4, "second": 54}
